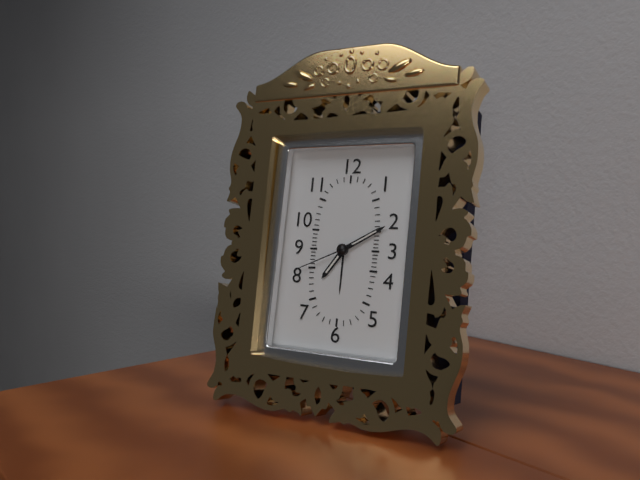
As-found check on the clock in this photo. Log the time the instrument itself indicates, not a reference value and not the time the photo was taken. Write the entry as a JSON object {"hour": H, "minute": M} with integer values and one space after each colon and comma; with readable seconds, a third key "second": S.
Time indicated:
{"hour": 7, "minute": 10, "second": 41}
